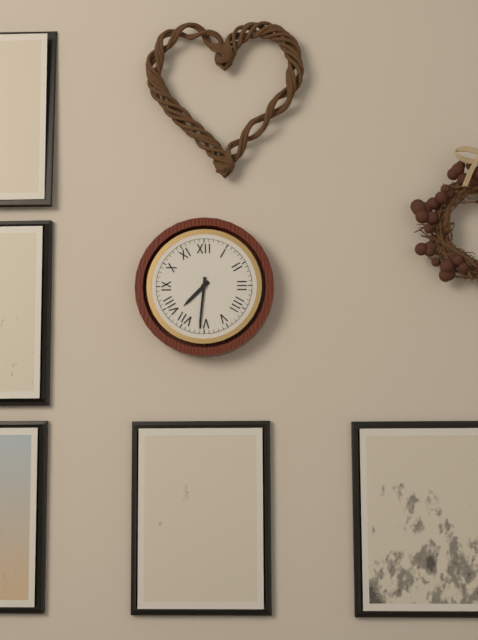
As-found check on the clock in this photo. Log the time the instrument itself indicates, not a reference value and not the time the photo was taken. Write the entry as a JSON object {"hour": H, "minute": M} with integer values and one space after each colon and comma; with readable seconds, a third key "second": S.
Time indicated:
{"hour": 7, "minute": 31}
